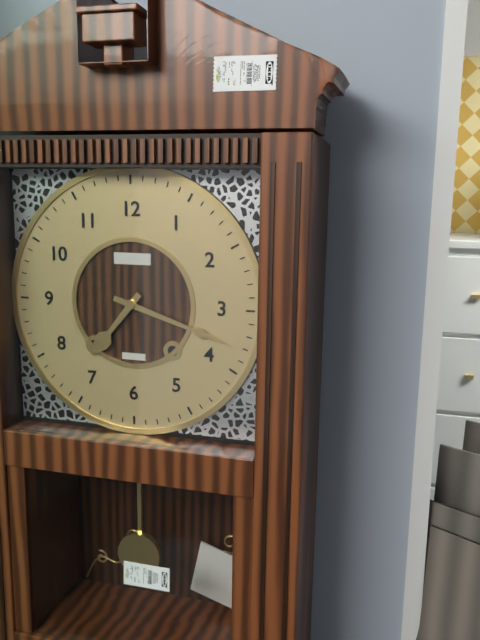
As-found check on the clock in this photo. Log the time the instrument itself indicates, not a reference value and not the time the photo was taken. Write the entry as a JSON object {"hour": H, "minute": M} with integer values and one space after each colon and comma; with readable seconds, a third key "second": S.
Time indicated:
{"hour": 7, "minute": 18}
